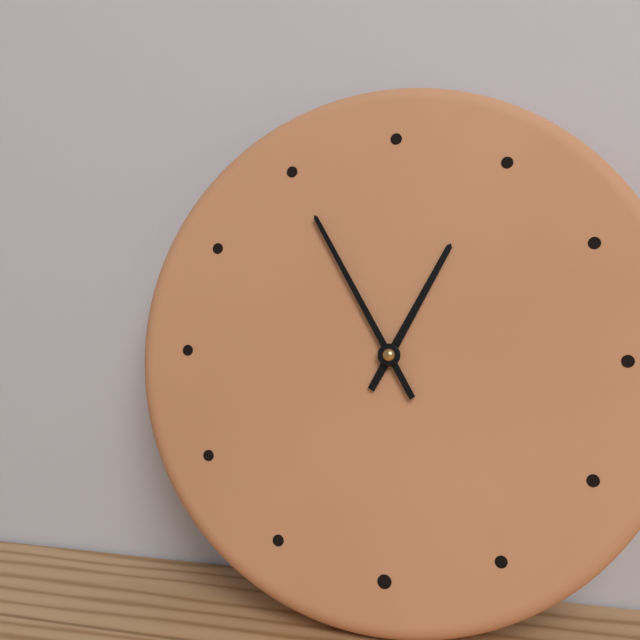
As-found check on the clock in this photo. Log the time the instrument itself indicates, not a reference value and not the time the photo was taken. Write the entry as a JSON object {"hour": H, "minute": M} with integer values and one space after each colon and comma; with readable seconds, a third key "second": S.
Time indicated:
{"hour": 12, "minute": 55}
